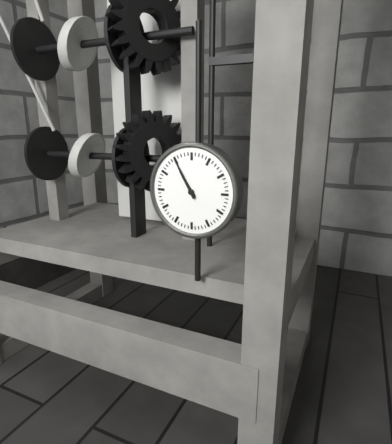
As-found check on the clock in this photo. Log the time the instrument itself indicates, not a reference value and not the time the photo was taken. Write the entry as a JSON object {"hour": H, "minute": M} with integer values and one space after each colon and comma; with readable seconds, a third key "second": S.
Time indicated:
{"hour": 10, "minute": 55}
